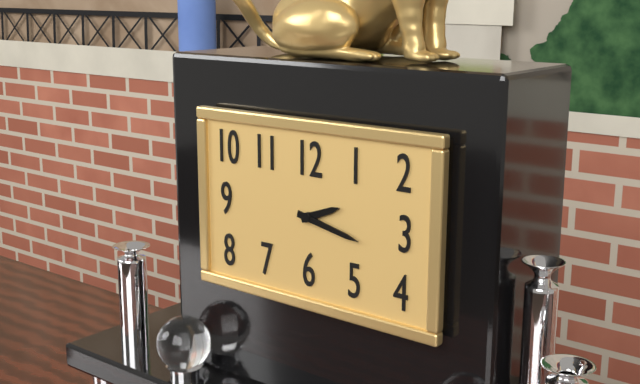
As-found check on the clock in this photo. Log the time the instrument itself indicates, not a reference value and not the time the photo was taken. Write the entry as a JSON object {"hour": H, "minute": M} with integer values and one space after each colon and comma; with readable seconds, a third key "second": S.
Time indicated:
{"hour": 2, "minute": 17}
